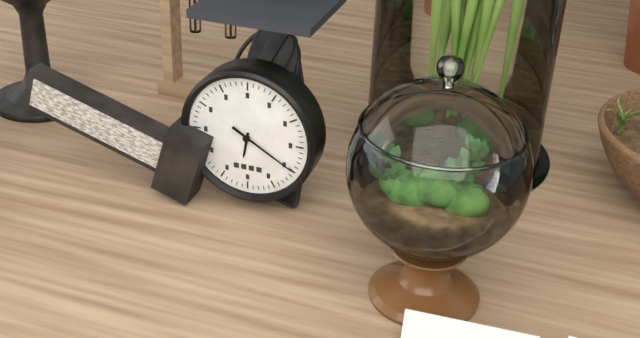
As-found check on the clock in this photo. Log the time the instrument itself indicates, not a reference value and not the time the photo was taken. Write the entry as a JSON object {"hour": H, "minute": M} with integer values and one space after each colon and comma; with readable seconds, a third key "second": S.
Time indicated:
{"hour": 6, "minute": 20}
